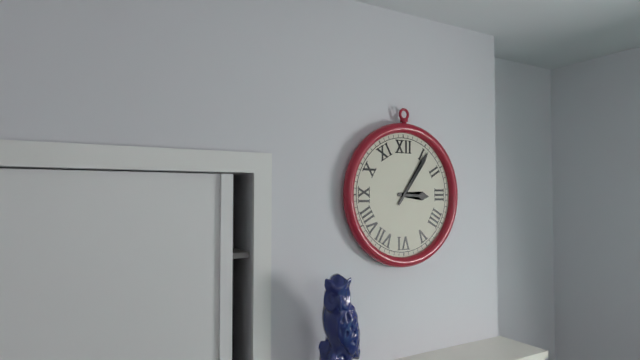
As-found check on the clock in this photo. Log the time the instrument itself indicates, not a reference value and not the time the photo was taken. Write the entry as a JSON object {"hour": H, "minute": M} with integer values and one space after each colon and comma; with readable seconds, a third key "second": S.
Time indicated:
{"hour": 3, "minute": 6}
